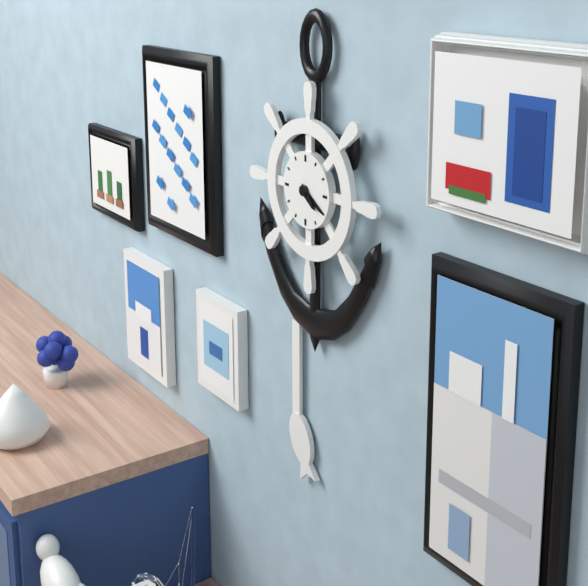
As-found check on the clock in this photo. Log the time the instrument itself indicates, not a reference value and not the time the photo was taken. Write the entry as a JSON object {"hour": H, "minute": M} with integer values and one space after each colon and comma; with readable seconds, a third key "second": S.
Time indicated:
{"hour": 4, "minute": 20}
